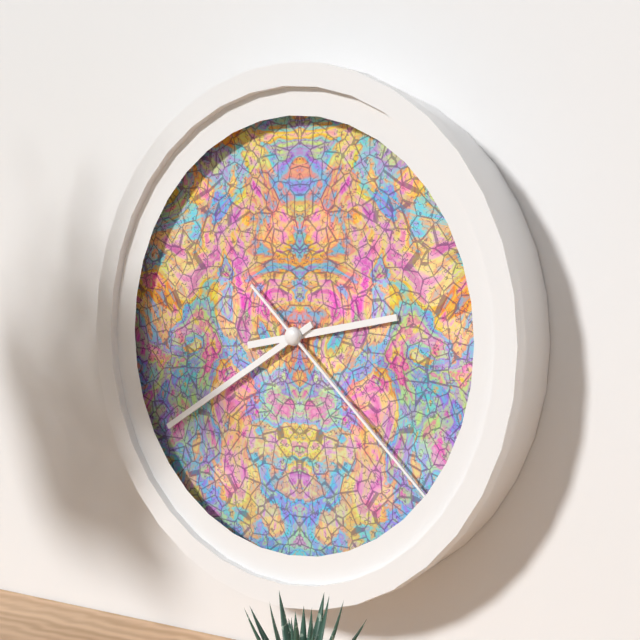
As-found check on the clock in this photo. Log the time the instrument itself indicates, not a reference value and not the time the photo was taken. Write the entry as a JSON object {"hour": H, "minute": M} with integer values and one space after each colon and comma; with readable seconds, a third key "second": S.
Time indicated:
{"hour": 2, "minute": 40, "second": 22}
